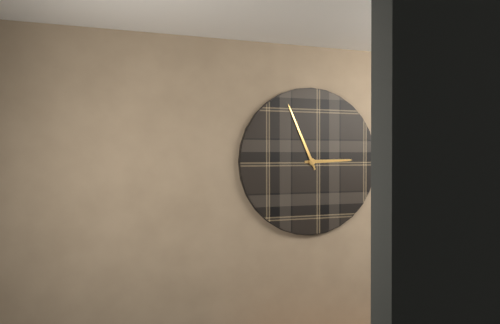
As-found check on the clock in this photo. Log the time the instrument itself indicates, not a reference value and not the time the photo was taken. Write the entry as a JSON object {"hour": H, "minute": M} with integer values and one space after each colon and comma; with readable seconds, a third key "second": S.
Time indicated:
{"hour": 2, "minute": 56}
